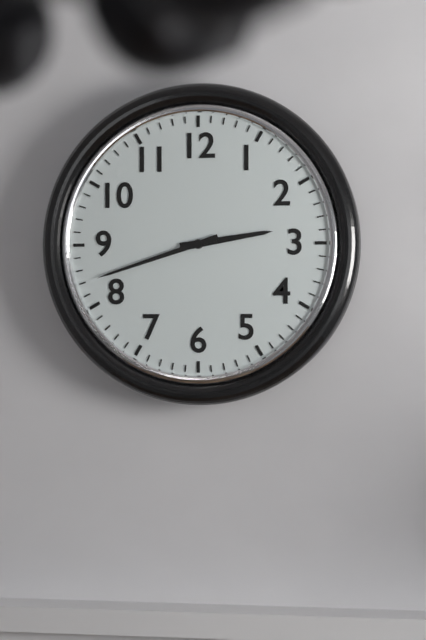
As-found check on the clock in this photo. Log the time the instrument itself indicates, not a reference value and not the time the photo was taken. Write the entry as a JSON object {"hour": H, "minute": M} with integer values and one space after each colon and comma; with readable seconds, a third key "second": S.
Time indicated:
{"hour": 2, "minute": 42}
